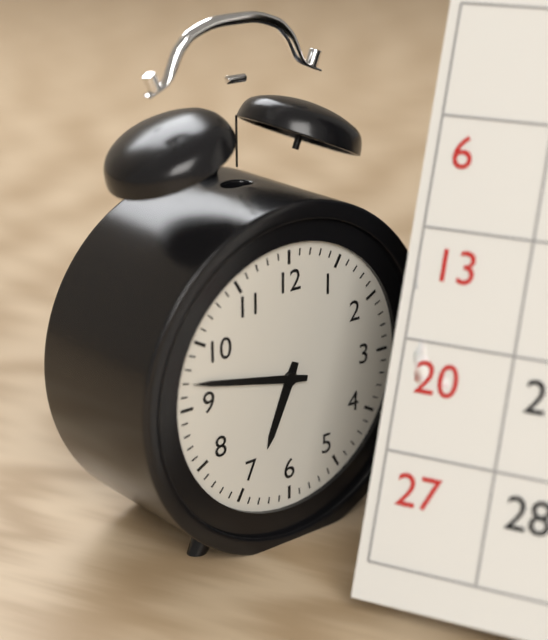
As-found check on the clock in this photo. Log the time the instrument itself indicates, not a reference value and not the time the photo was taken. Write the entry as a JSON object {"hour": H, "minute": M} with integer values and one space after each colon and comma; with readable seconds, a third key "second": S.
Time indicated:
{"hour": 6, "minute": 47}
